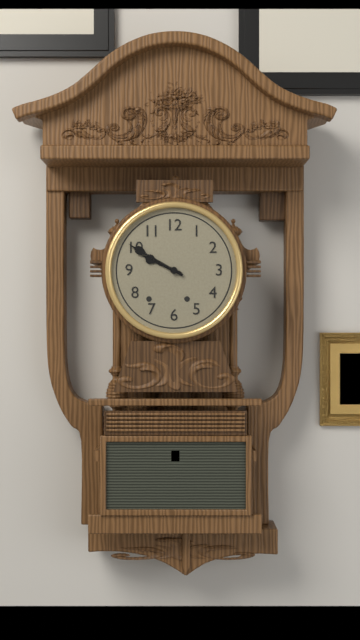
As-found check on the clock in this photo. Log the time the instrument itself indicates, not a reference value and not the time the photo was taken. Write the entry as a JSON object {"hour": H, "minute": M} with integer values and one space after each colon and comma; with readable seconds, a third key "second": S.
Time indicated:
{"hour": 9, "minute": 50}
